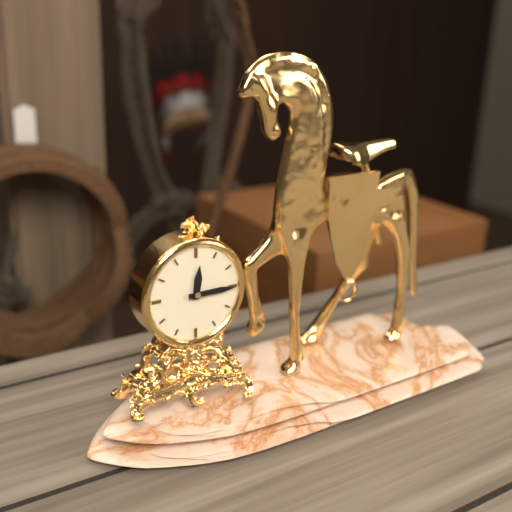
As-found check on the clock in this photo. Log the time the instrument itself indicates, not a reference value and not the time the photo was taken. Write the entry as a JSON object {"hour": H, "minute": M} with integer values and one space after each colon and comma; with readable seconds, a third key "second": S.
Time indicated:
{"hour": 12, "minute": 15}
